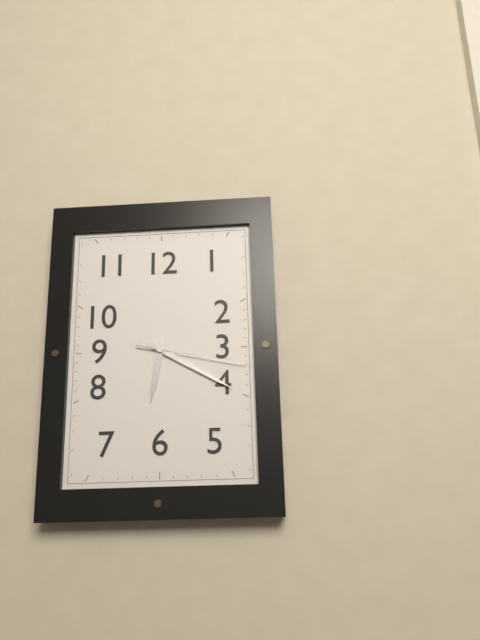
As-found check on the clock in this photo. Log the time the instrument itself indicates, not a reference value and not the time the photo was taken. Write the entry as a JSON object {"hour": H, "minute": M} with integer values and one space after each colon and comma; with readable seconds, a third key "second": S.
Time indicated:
{"hour": 6, "minute": 20, "second": 17}
